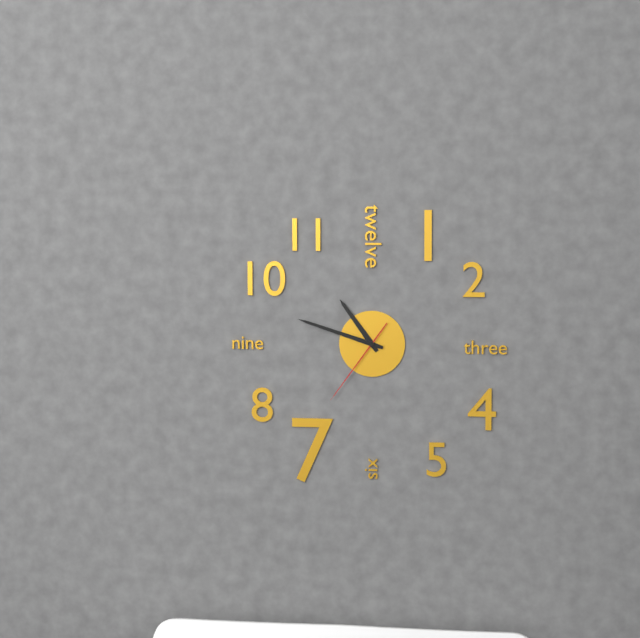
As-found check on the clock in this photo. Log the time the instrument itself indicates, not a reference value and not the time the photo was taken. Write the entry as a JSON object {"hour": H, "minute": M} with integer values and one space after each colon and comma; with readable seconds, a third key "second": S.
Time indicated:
{"hour": 10, "minute": 48, "second": 36}
